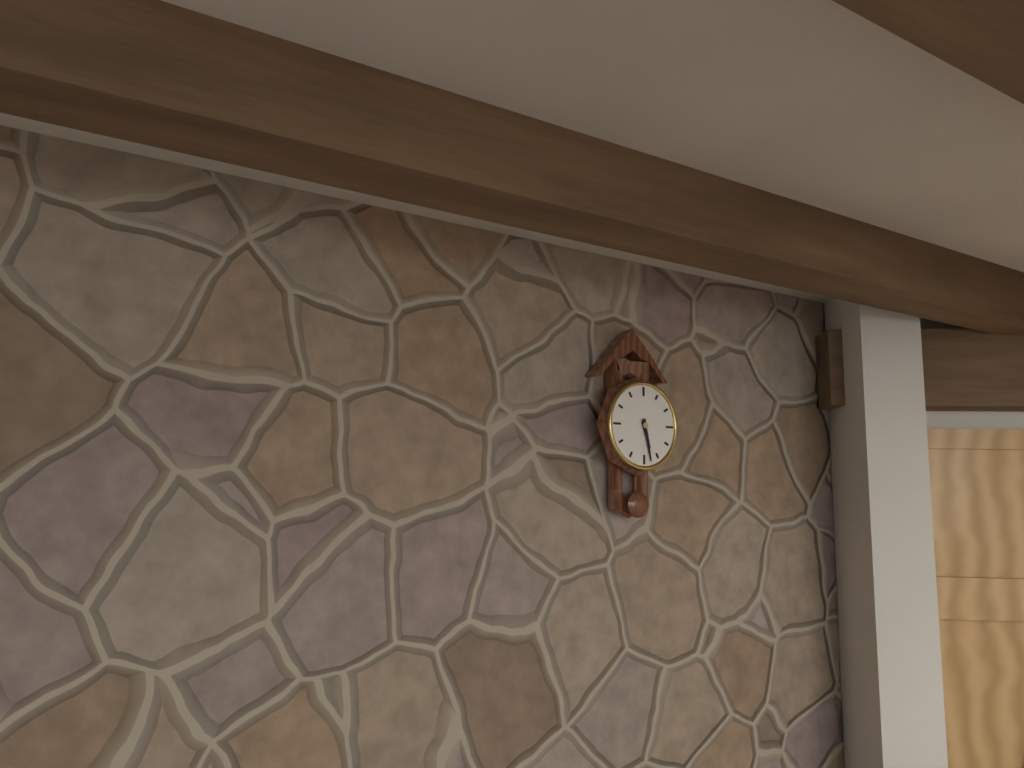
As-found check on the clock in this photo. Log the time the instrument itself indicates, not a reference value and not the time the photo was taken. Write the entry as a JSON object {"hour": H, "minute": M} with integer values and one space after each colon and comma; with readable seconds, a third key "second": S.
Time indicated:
{"hour": 5, "minute": 28}
